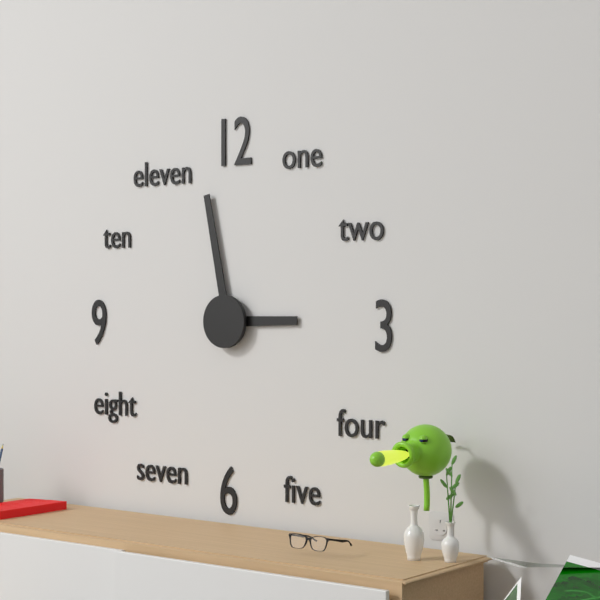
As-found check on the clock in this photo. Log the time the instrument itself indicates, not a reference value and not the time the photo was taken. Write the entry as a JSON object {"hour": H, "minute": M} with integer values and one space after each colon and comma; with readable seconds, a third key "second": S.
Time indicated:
{"hour": 2, "minute": 58}
